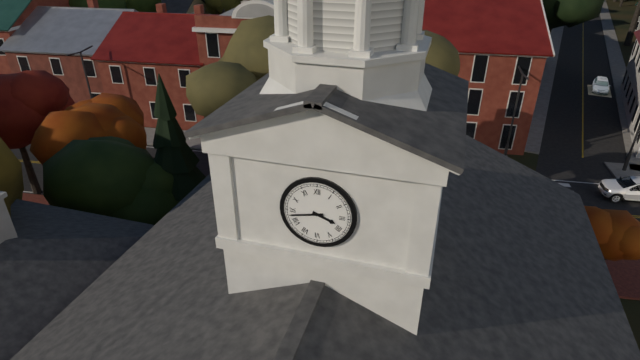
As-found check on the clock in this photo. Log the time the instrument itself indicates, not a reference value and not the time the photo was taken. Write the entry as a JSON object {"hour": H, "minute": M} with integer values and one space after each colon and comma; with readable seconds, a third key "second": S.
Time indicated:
{"hour": 3, "minute": 43}
